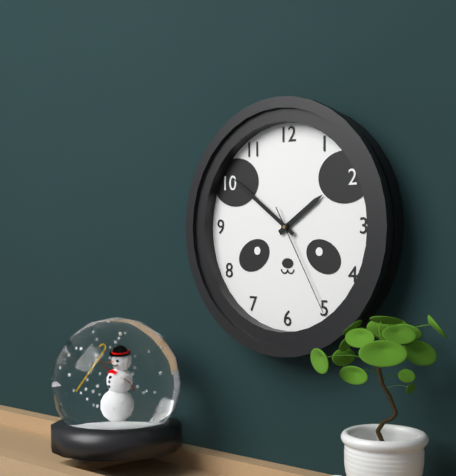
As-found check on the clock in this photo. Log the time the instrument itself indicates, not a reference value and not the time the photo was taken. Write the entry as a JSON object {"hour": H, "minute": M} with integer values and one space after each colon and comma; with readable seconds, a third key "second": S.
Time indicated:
{"hour": 1, "minute": 51, "second": 25}
